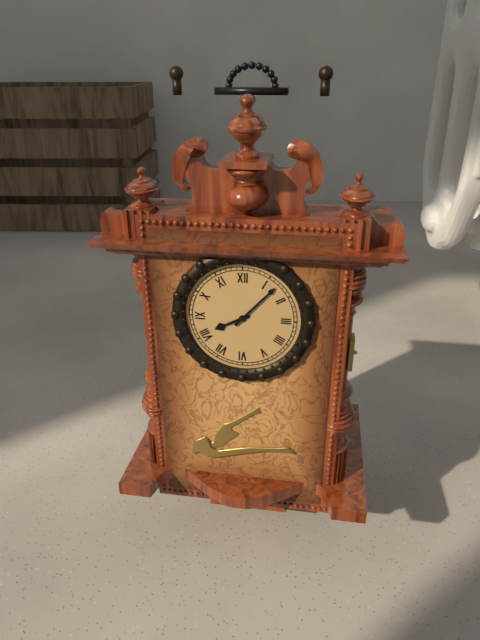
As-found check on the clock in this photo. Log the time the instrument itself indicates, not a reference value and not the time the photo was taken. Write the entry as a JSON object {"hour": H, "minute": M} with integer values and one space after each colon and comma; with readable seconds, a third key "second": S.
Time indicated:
{"hour": 8, "minute": 7}
